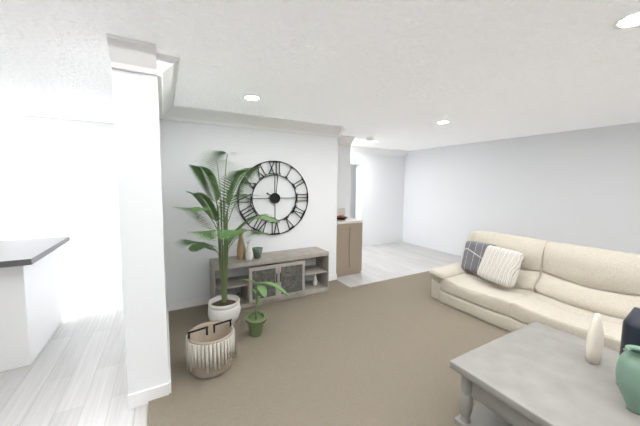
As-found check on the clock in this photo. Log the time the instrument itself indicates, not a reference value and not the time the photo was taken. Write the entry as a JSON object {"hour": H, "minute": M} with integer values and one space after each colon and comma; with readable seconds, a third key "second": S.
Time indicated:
{"hour": 10, "minute": 1}
